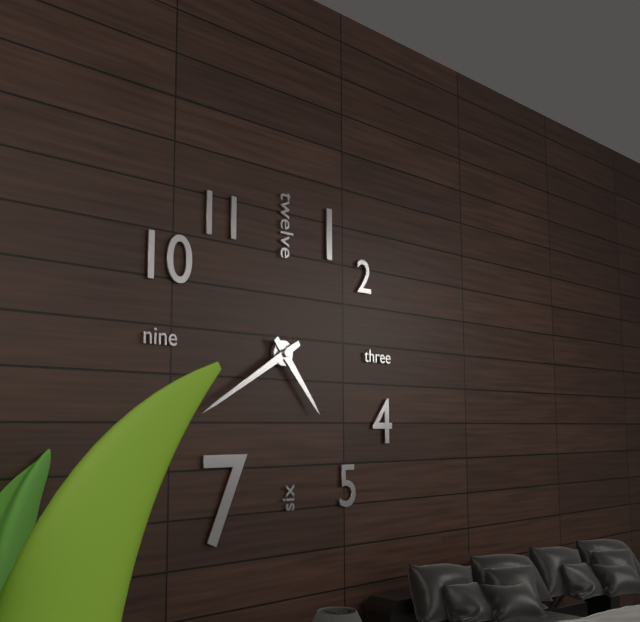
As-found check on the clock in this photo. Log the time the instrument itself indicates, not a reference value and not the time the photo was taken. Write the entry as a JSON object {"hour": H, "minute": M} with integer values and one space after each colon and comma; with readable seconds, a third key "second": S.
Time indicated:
{"hour": 4, "minute": 40}
